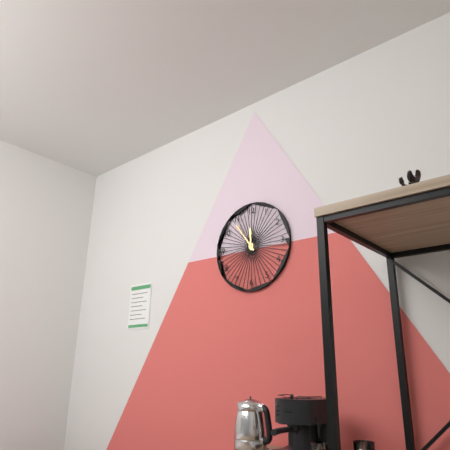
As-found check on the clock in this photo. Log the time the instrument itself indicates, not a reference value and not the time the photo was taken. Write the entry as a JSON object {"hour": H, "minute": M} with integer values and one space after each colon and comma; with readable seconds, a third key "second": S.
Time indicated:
{"hour": 11, "minute": 54}
